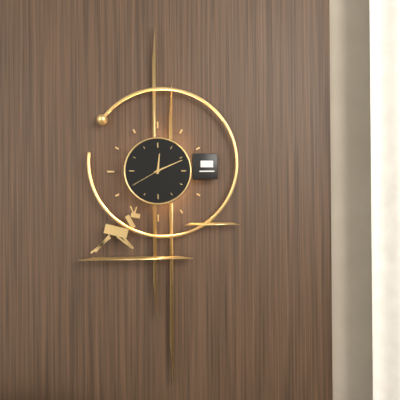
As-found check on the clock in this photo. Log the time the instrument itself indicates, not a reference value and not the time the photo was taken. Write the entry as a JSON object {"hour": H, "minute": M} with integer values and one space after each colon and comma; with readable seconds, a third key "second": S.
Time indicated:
{"hour": 12, "minute": 11}
